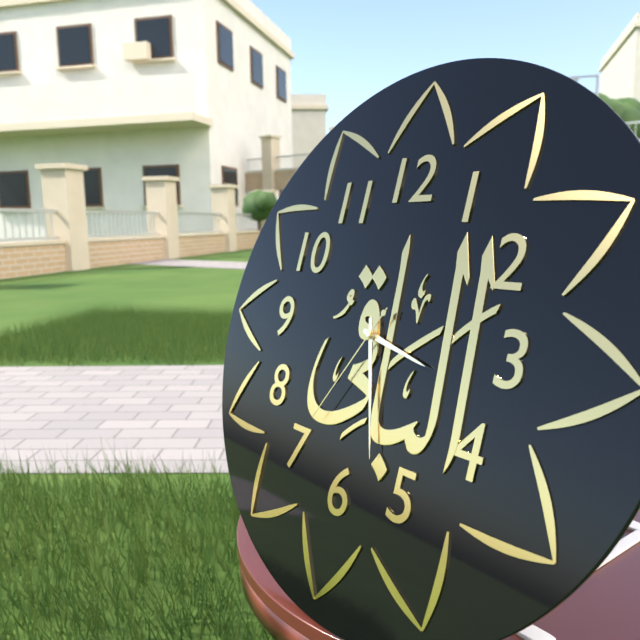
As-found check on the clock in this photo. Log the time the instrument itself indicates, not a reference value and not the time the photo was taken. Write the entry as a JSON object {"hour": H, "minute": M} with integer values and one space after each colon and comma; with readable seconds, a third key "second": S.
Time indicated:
{"hour": 3, "minute": 27, "second": 35}
